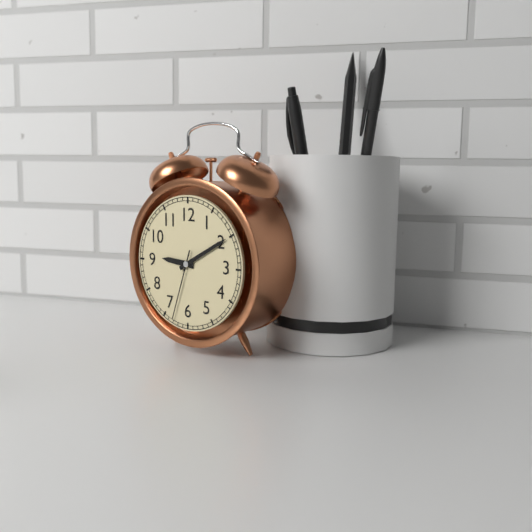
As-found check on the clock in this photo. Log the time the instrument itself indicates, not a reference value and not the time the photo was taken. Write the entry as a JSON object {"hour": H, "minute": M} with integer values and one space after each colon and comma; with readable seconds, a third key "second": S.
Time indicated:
{"hour": 9, "minute": 10, "second": 33}
